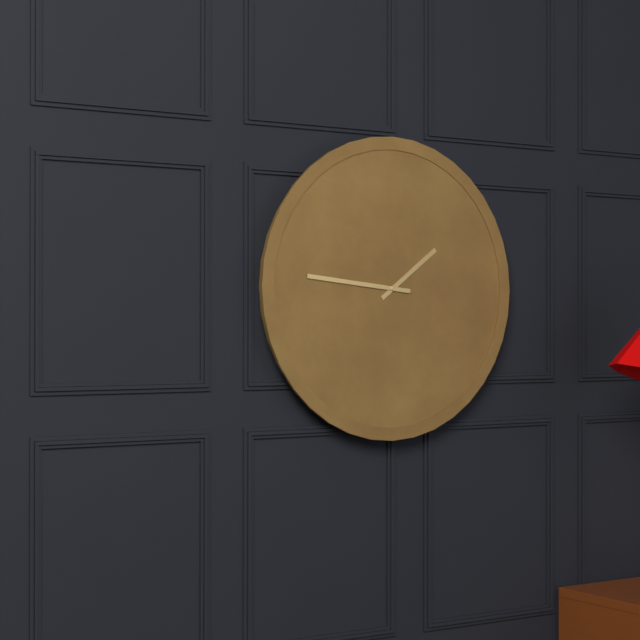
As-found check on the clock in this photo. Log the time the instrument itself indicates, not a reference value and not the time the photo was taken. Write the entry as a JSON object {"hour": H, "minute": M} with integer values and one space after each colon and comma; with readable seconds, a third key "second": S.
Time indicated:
{"hour": 1, "minute": 46}
